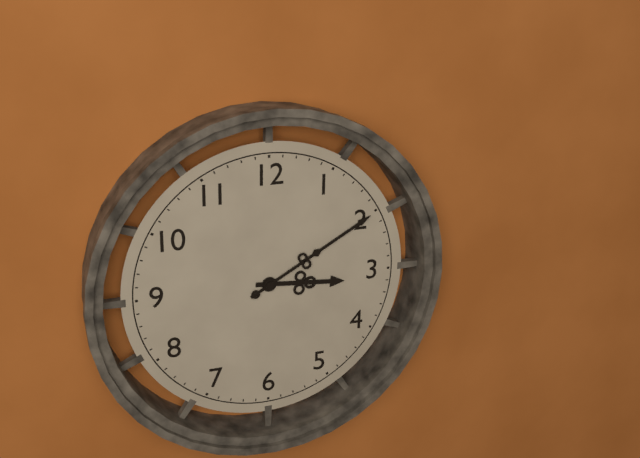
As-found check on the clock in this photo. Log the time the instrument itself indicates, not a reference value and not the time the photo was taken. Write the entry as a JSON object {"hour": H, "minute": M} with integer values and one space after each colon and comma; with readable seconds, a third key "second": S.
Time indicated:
{"hour": 3, "minute": 10}
